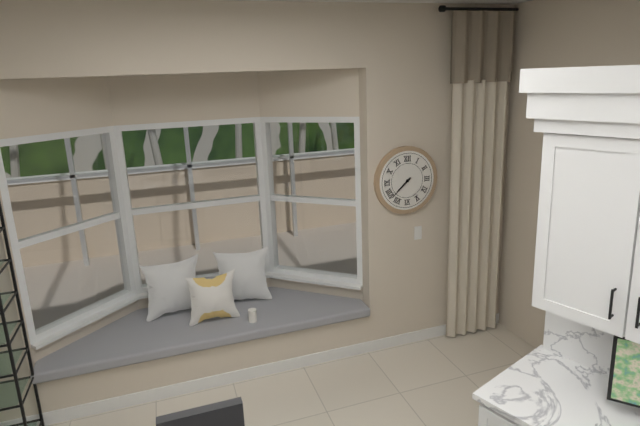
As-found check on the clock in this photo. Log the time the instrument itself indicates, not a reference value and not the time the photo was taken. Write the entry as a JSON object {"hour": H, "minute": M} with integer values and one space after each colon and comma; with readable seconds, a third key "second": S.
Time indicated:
{"hour": 7, "minute": 38}
